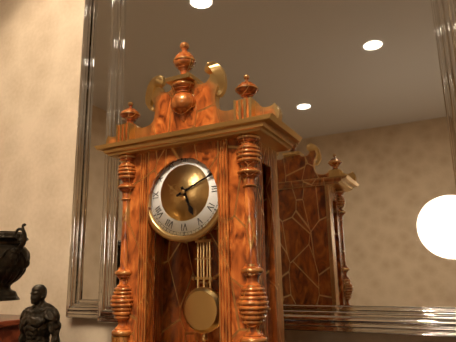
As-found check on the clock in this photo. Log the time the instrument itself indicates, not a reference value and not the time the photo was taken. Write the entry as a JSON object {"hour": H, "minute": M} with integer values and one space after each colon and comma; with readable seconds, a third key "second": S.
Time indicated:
{"hour": 5, "minute": 11}
